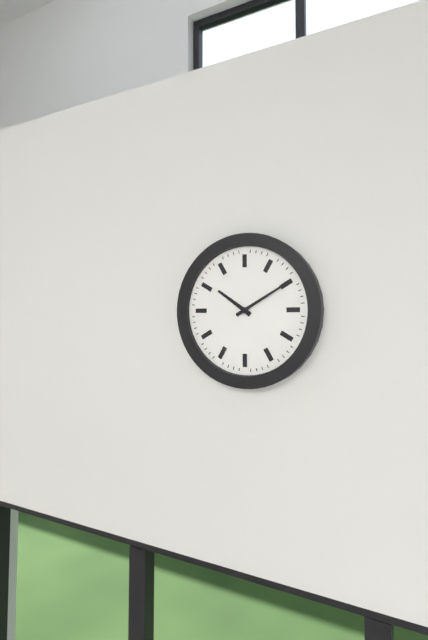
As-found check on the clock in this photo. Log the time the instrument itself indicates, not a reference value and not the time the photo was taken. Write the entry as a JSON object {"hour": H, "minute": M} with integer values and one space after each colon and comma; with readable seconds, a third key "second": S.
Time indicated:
{"hour": 10, "minute": 10}
